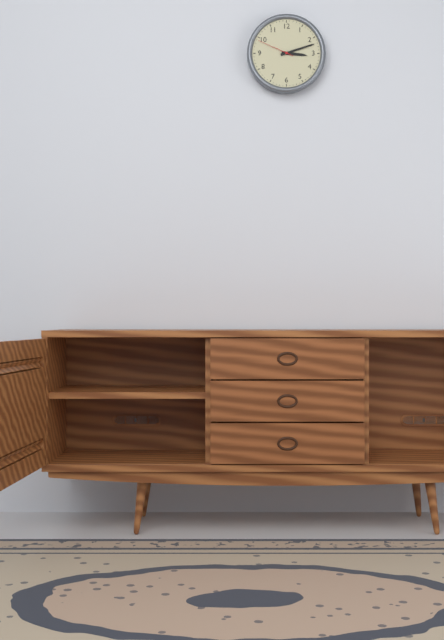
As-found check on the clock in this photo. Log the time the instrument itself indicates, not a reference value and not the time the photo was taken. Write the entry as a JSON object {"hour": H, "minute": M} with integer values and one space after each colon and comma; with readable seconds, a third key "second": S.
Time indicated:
{"hour": 3, "minute": 12}
